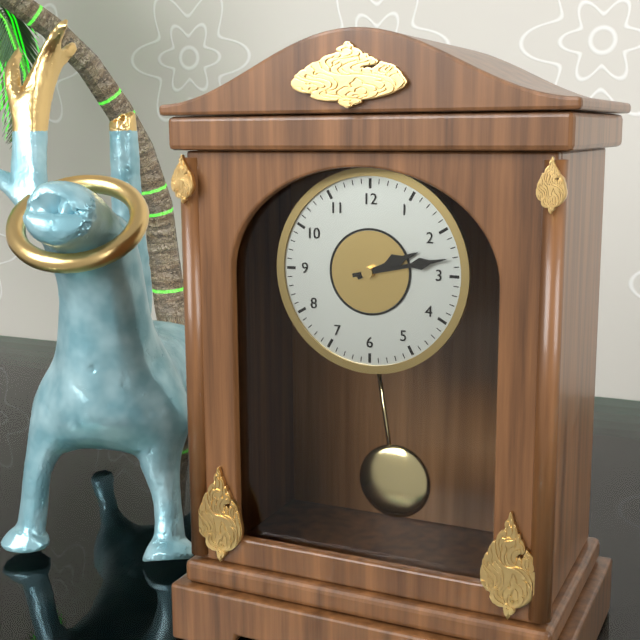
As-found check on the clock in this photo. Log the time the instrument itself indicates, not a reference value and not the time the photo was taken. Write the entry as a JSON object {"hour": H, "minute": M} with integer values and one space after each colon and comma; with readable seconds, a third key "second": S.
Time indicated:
{"hour": 2, "minute": 13}
